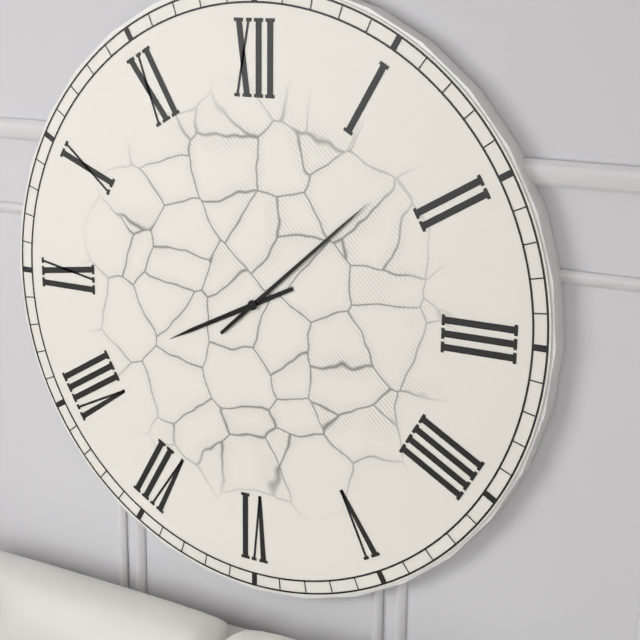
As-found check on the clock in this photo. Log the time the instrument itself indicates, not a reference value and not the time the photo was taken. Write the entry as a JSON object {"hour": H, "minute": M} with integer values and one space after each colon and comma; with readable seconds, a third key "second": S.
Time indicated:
{"hour": 8, "minute": 8}
